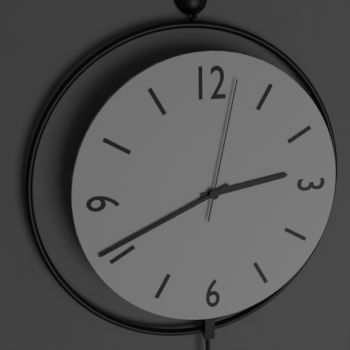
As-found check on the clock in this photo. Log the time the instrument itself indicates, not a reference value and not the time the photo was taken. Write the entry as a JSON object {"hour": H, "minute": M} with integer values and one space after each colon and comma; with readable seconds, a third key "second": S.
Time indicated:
{"hour": 2, "minute": 41, "second": 2}
